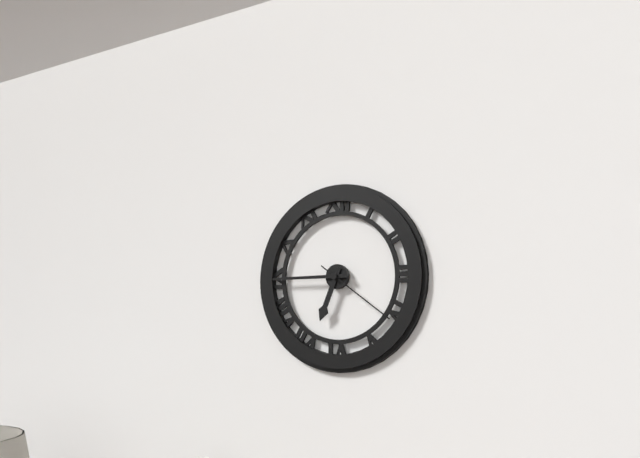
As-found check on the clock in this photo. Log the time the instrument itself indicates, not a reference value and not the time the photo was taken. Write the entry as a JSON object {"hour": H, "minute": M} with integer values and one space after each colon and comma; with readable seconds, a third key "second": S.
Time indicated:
{"hour": 6, "minute": 45, "second": 21}
